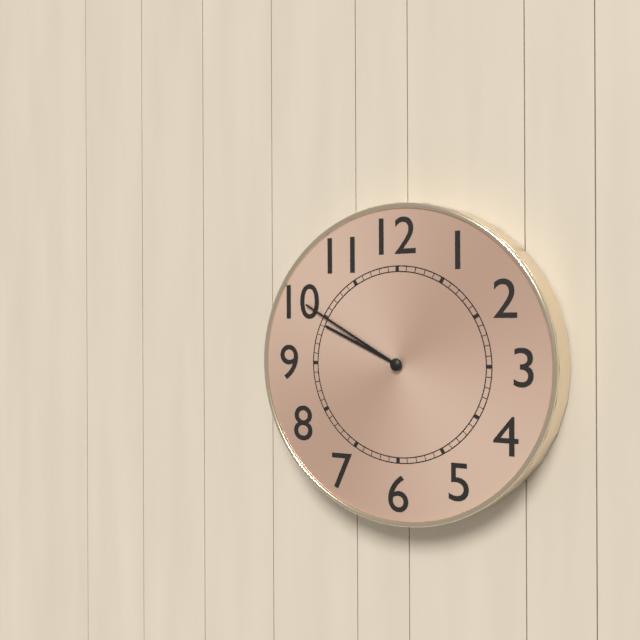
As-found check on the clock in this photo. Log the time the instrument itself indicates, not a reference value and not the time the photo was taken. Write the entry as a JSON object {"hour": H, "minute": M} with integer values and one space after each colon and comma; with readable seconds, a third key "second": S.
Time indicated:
{"hour": 9, "minute": 50}
